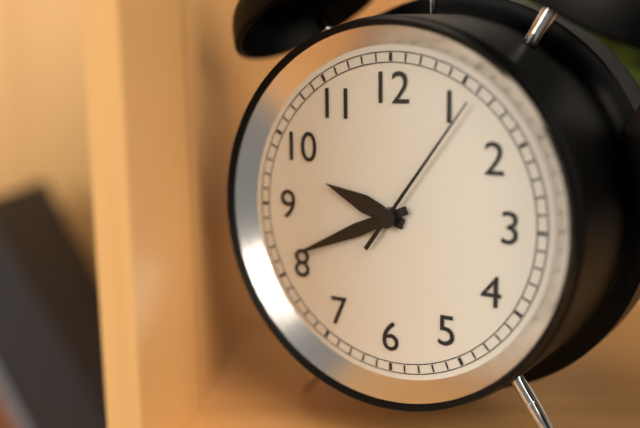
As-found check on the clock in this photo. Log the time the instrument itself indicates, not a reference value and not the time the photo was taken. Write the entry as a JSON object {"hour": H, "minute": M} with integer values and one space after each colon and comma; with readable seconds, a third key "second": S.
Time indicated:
{"hour": 9, "minute": 41, "second": 6}
